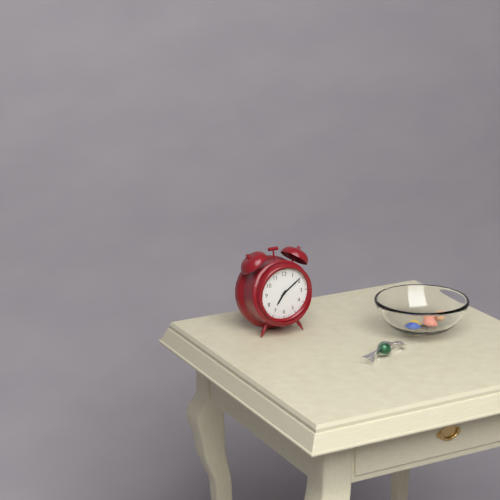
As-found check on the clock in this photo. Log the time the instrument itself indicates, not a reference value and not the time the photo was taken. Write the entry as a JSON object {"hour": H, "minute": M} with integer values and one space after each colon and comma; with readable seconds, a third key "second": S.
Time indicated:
{"hour": 7, "minute": 9}
